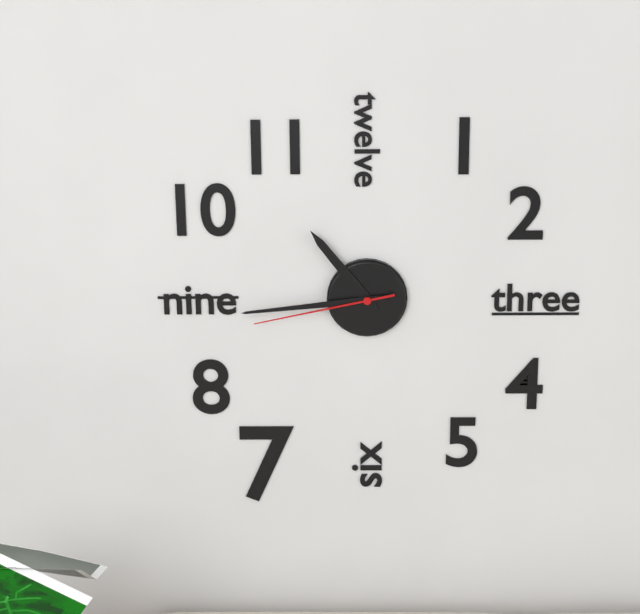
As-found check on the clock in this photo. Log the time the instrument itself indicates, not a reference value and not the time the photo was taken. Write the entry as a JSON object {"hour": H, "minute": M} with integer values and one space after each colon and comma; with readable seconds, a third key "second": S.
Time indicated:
{"hour": 10, "minute": 44, "second": 43}
